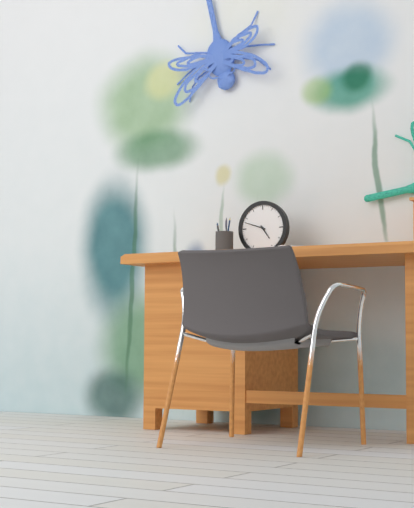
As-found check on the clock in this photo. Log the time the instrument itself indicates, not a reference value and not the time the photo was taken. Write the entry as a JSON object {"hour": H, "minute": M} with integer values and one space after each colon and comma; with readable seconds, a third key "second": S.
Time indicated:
{"hour": 4, "minute": 48}
